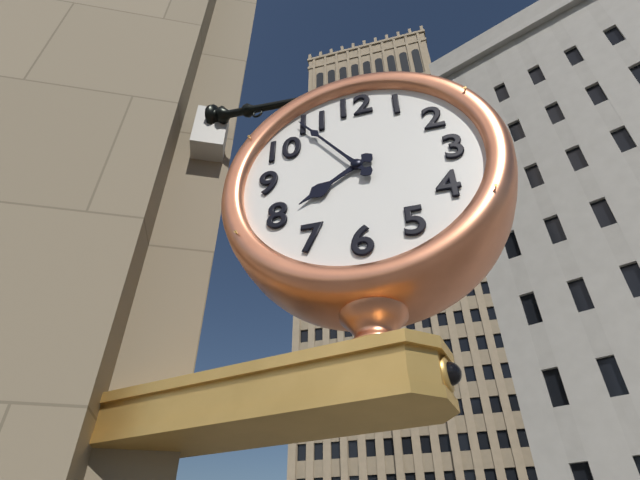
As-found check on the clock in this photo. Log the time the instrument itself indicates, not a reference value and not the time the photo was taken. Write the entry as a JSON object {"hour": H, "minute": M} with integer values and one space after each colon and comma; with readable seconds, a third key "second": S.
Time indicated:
{"hour": 7, "minute": 54}
